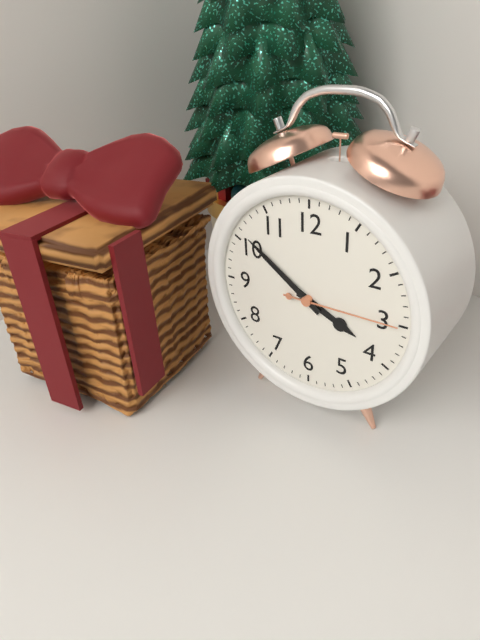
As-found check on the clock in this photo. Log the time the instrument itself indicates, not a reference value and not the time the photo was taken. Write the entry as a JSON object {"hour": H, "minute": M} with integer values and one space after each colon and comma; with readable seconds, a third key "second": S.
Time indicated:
{"hour": 3, "minute": 51, "second": 15}
